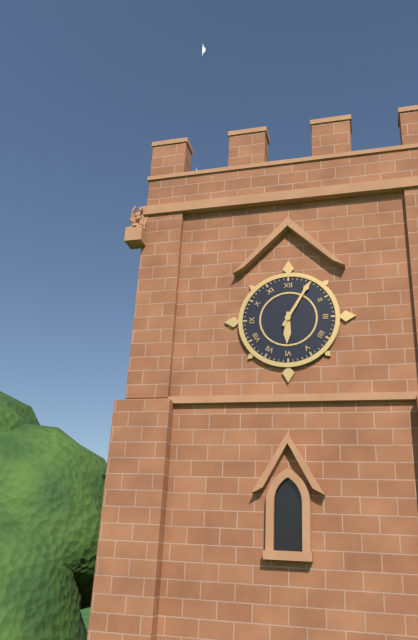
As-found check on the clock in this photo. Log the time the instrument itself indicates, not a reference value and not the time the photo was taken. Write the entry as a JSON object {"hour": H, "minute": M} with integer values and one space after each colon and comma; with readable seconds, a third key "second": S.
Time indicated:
{"hour": 6, "minute": 5}
